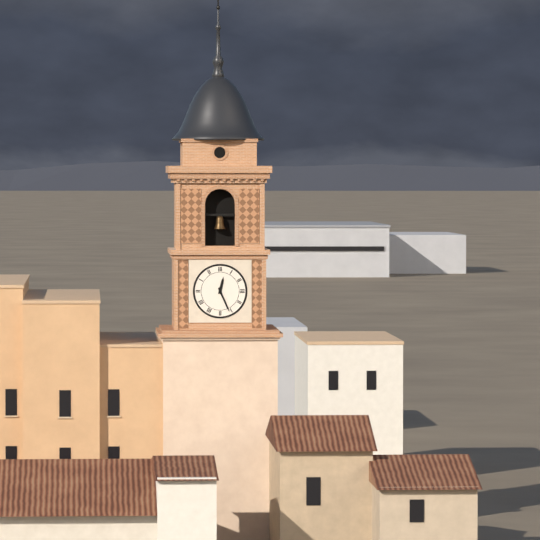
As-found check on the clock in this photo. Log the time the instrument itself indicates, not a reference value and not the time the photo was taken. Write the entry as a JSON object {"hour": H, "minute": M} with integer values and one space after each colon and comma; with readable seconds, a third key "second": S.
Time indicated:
{"hour": 12, "minute": 26}
